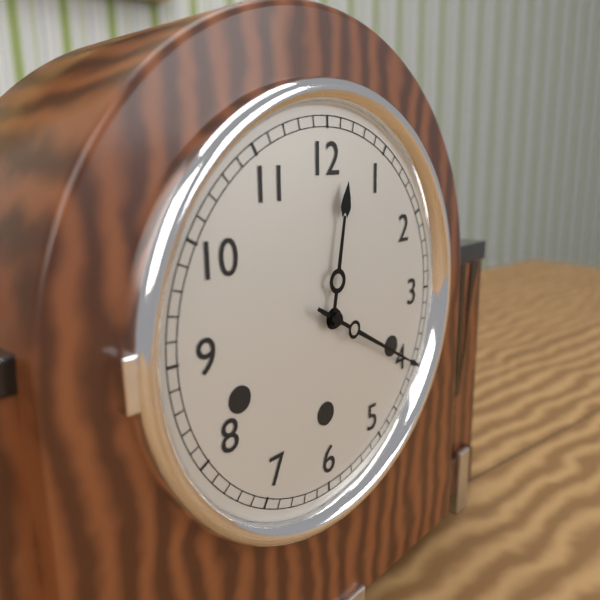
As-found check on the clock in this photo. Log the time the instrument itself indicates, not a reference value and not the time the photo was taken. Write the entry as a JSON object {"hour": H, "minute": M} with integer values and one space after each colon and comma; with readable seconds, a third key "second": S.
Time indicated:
{"hour": 12, "minute": 20}
